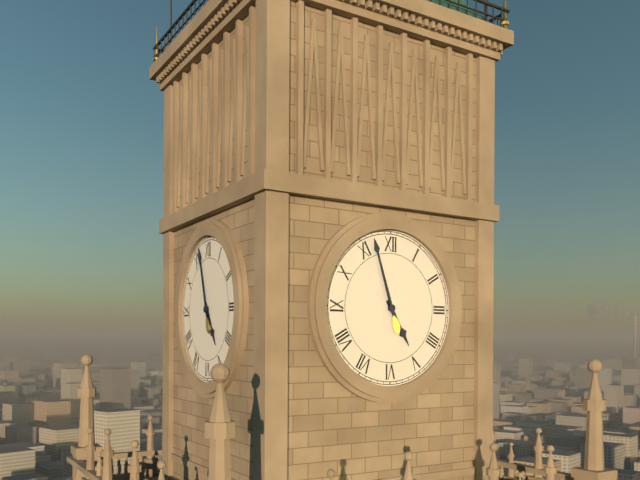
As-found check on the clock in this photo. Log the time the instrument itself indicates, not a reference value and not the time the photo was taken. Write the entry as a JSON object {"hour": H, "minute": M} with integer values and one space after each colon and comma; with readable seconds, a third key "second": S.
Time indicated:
{"hour": 4, "minute": 57}
